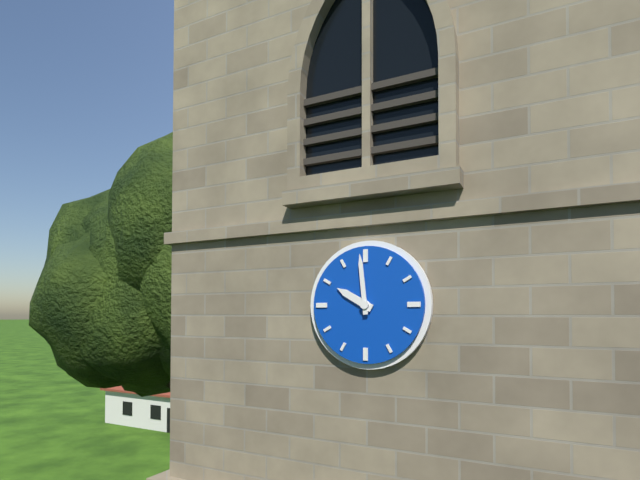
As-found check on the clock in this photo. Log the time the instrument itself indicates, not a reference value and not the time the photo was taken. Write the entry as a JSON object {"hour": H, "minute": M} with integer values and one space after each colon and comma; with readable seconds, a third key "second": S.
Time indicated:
{"hour": 9, "minute": 59}
